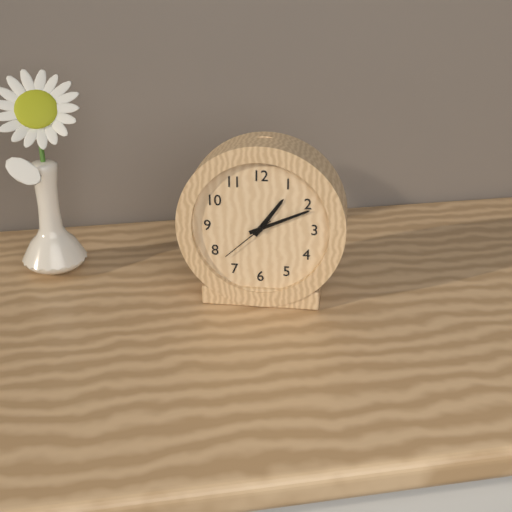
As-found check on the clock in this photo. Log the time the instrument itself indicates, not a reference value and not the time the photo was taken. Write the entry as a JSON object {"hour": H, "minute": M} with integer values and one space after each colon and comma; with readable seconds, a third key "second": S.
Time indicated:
{"hour": 1, "minute": 11, "second": 38}
